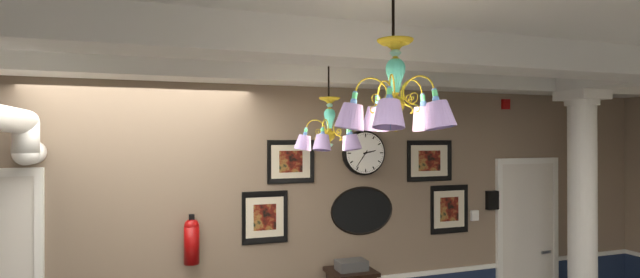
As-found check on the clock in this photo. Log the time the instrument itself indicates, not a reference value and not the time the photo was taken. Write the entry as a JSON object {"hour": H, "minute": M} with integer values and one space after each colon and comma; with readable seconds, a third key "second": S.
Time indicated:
{"hour": 2, "minute": 36}
